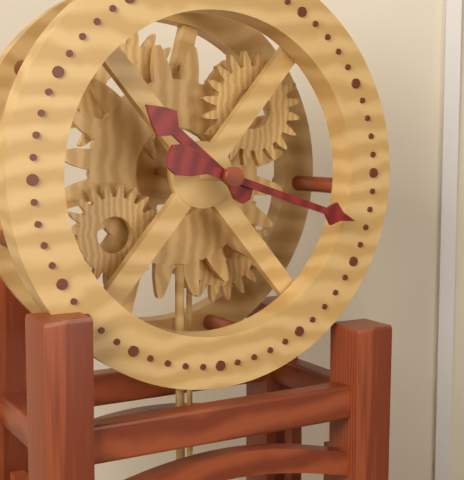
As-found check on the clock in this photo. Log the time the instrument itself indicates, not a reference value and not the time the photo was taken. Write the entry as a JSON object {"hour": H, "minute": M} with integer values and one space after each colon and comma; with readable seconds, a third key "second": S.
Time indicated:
{"hour": 10, "minute": 18}
